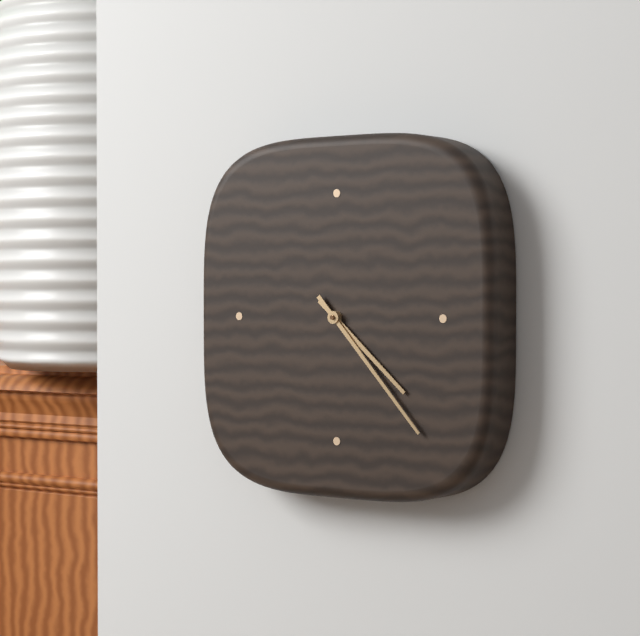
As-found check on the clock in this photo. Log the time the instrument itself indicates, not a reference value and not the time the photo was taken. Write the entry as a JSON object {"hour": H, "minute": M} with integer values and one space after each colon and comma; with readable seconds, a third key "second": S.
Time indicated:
{"hour": 4, "minute": 23}
